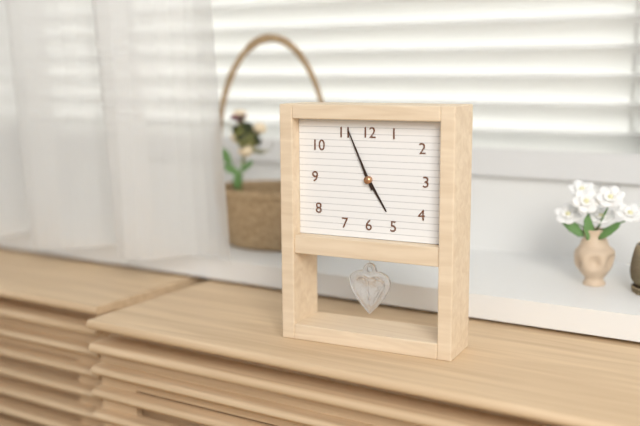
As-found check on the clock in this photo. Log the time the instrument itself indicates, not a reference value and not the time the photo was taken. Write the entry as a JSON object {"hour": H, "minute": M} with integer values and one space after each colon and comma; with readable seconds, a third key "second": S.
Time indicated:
{"hour": 4, "minute": 56}
